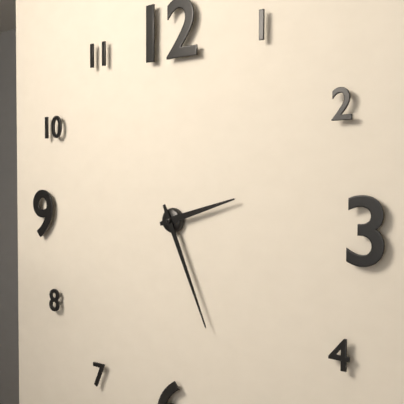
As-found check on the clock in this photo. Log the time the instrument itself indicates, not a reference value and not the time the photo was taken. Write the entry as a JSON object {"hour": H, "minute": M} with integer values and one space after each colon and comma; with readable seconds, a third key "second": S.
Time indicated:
{"hour": 2, "minute": 26}
